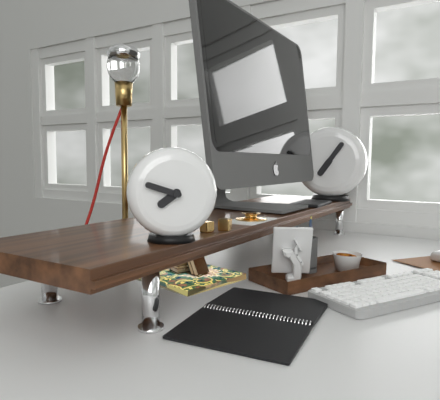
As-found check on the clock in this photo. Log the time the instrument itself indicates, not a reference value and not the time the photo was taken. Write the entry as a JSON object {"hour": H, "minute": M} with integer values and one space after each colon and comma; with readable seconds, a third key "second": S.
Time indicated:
{"hour": 7, "minute": 48}
